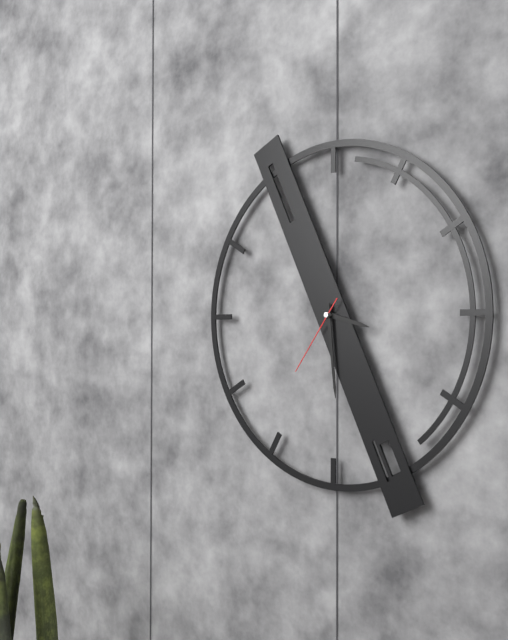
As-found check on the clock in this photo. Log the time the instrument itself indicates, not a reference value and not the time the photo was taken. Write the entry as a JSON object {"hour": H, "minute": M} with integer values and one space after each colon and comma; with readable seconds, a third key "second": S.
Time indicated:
{"hour": 3, "minute": 29, "second": 36}
